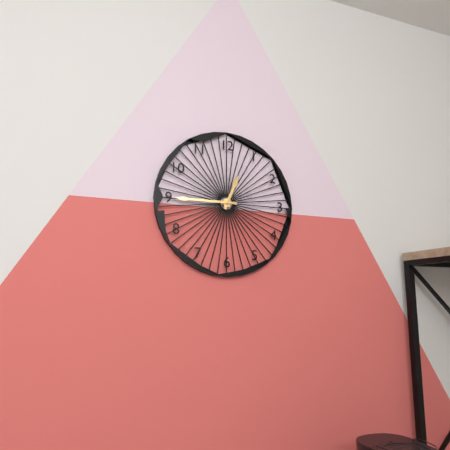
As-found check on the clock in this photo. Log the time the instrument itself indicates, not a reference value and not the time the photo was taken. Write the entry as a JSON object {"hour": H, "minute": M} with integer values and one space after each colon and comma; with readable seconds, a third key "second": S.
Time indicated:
{"hour": 12, "minute": 45}
